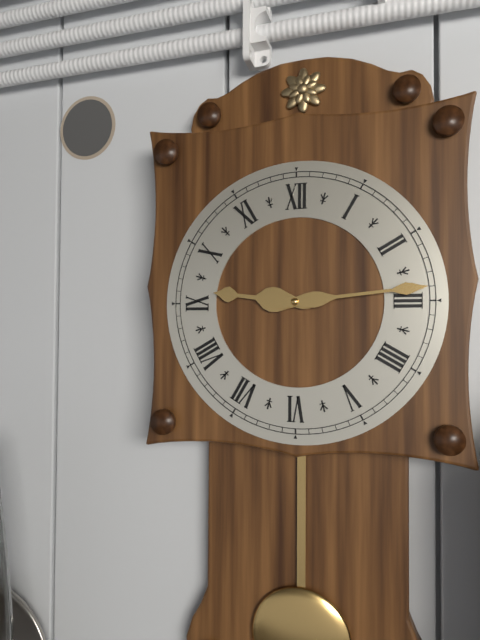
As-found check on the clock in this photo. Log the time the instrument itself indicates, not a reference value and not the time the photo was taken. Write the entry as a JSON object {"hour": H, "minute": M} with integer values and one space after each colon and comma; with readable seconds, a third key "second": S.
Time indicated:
{"hour": 9, "minute": 14}
